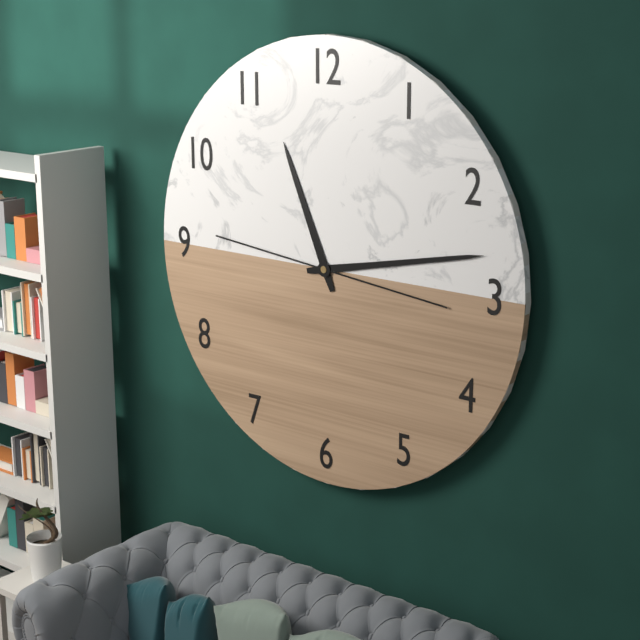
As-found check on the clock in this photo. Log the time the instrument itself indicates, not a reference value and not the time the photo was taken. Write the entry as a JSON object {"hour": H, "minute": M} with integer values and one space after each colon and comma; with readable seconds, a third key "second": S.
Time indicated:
{"hour": 11, "minute": 13}
